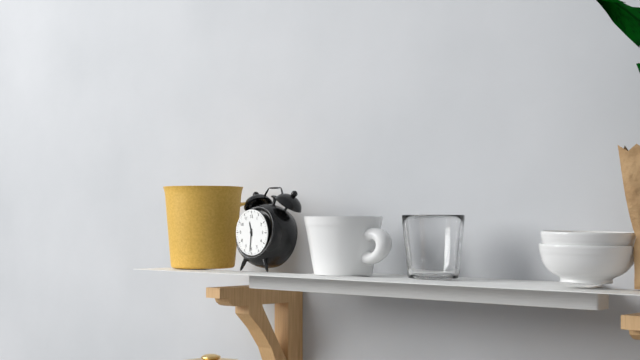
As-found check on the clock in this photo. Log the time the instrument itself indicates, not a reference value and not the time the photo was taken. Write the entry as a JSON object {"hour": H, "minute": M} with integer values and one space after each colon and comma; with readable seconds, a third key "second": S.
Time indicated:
{"hour": 11, "minute": 31}
